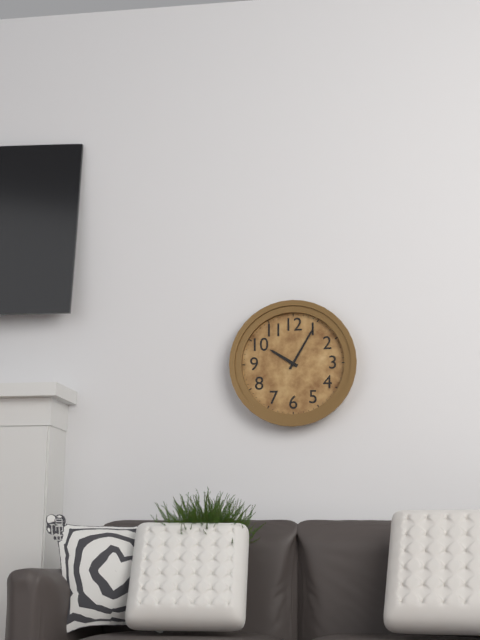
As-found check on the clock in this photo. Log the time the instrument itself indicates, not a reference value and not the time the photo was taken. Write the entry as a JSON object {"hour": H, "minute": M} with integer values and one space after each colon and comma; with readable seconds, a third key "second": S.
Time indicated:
{"hour": 10, "minute": 5}
